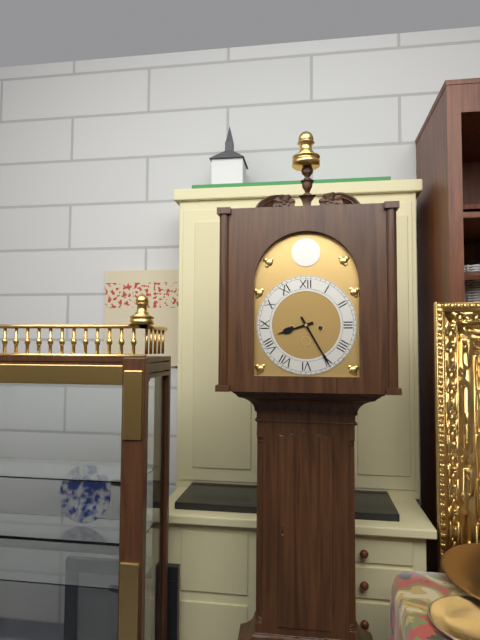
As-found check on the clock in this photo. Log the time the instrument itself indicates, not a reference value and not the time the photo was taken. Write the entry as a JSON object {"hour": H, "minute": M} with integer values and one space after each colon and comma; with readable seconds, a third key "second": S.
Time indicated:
{"hour": 8, "minute": 25}
